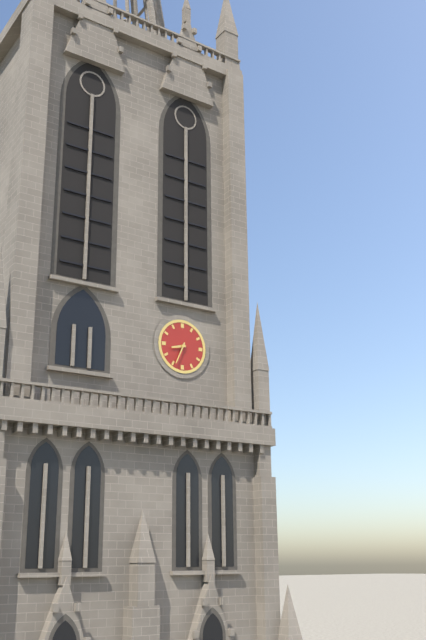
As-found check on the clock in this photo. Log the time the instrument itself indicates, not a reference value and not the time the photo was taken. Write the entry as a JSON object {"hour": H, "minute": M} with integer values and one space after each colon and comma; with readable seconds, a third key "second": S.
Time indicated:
{"hour": 8, "minute": 34}
